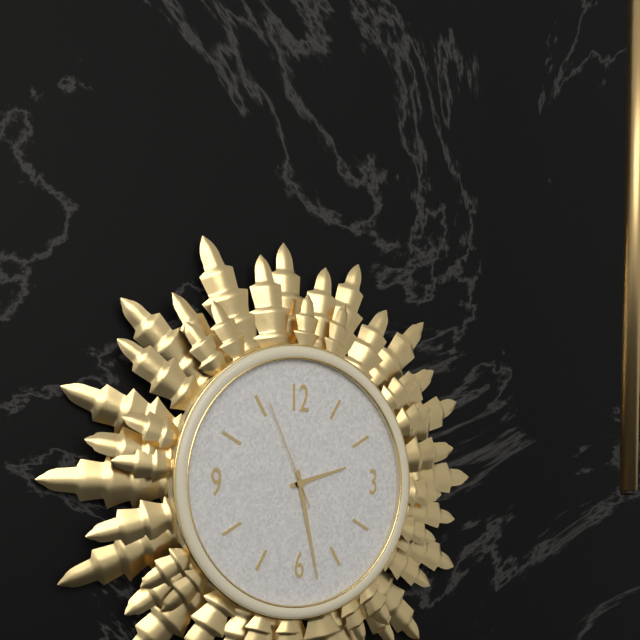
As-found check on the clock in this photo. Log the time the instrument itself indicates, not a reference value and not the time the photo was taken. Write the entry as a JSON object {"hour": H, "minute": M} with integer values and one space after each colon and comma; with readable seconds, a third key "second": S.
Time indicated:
{"hour": 2, "minute": 28, "second": 56}
